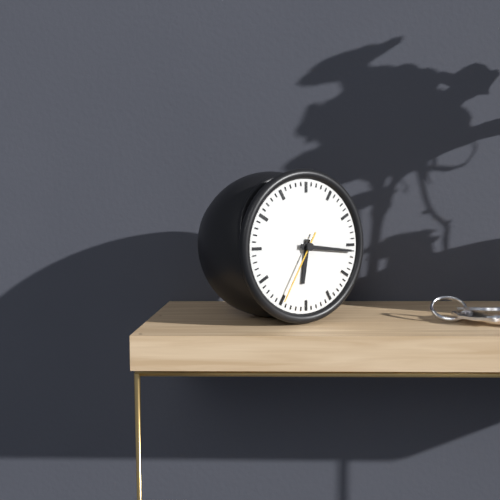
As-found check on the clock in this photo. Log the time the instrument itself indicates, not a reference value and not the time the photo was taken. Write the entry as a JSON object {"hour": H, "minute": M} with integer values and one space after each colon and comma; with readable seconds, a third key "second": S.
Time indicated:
{"hour": 6, "minute": 16, "second": 35}
